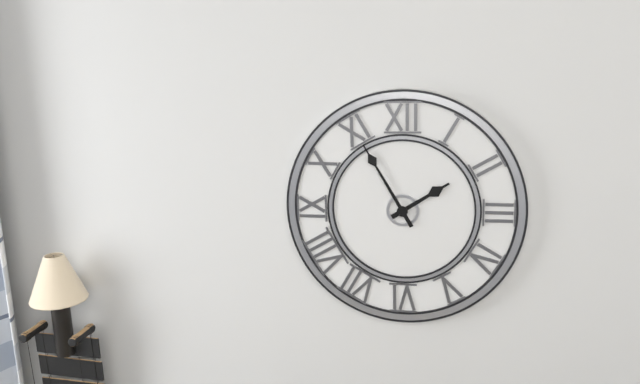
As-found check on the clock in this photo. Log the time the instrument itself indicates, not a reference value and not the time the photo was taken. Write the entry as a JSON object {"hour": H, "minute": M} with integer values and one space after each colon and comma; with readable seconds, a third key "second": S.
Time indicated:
{"hour": 1, "minute": 55}
